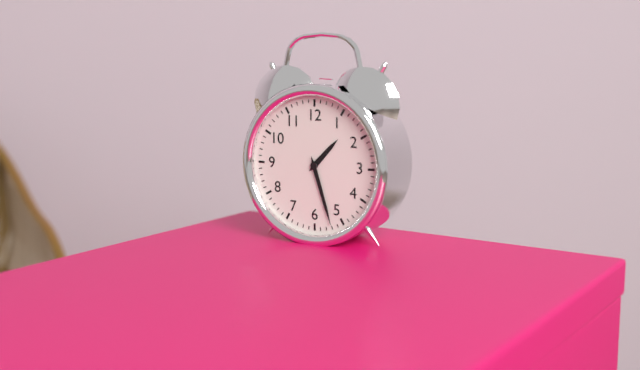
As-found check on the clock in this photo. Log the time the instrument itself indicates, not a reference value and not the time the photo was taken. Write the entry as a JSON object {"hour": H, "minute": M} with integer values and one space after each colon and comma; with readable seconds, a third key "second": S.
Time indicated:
{"hour": 1, "minute": 27}
